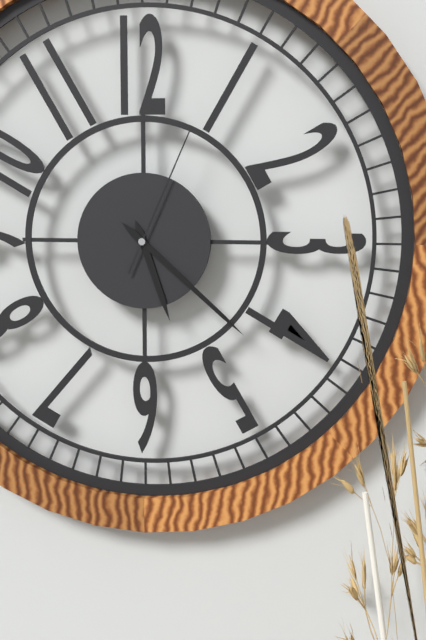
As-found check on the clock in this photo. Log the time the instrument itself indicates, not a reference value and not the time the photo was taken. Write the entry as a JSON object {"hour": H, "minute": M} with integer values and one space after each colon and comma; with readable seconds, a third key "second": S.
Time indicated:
{"hour": 5, "minute": 22, "second": 4}
